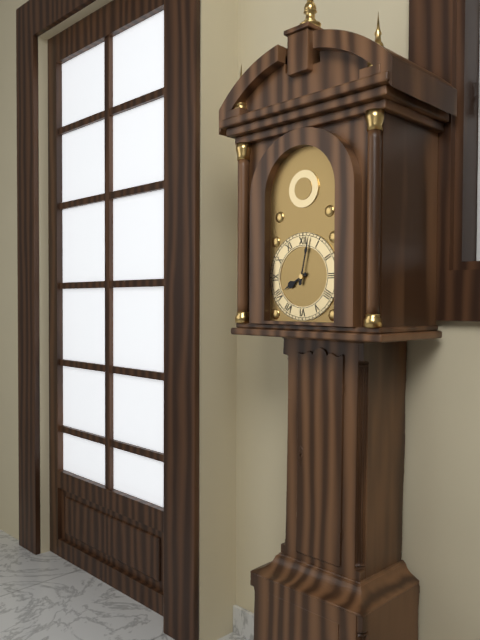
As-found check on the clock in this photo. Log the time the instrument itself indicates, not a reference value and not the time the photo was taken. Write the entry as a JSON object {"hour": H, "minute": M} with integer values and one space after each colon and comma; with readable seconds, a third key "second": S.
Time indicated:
{"hour": 8, "minute": 2}
